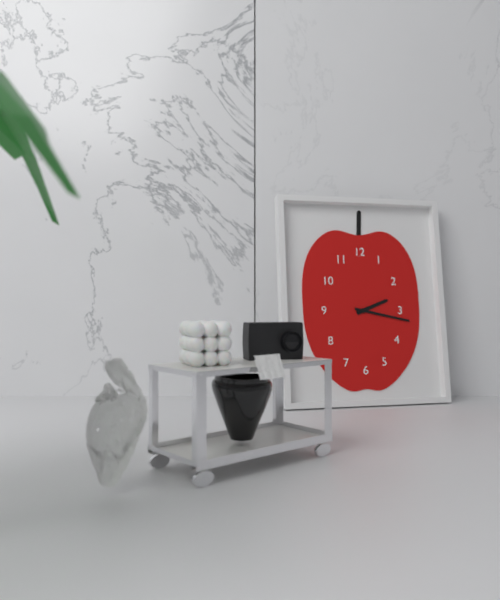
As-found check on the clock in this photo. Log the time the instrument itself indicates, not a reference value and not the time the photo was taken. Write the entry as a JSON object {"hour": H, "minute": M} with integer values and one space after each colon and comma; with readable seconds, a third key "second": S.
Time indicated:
{"hour": 2, "minute": 17}
